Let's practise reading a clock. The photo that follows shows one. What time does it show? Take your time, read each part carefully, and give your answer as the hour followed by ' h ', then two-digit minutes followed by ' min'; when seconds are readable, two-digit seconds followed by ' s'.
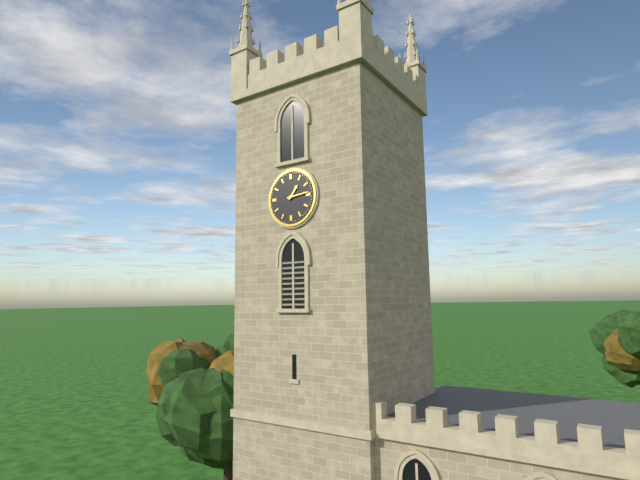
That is 1 h 14 min
